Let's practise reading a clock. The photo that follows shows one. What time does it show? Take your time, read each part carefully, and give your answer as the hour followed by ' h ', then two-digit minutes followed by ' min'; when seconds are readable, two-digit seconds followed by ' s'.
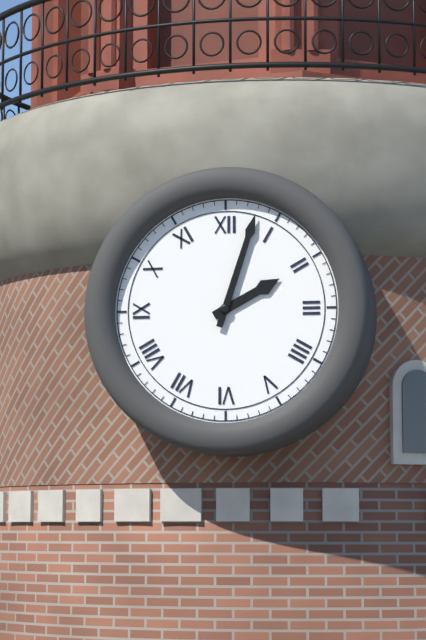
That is 2 h 03 min
